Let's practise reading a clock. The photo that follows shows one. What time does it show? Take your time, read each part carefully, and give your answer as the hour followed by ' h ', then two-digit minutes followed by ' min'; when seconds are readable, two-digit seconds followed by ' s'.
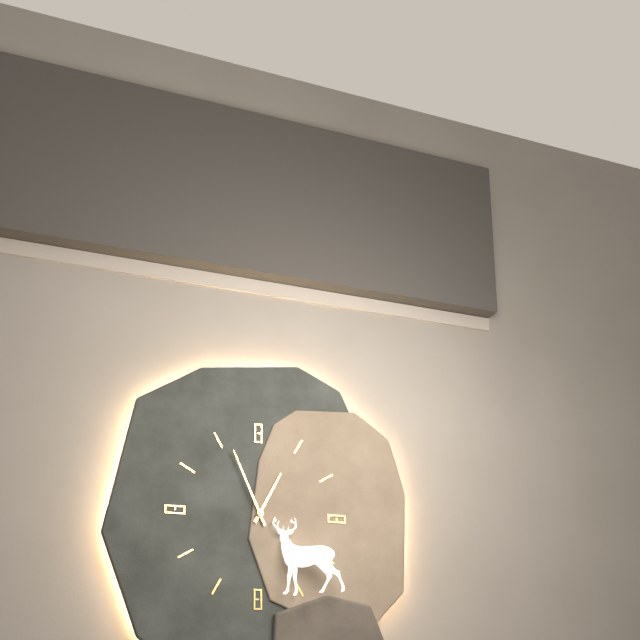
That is 12 h 56 min
